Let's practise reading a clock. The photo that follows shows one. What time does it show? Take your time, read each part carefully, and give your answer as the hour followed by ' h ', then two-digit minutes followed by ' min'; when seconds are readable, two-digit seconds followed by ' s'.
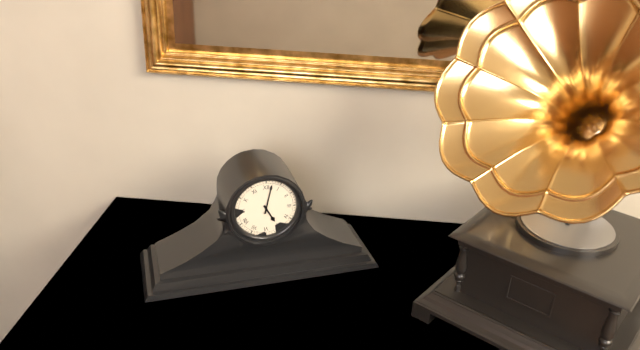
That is 5 h 02 min
